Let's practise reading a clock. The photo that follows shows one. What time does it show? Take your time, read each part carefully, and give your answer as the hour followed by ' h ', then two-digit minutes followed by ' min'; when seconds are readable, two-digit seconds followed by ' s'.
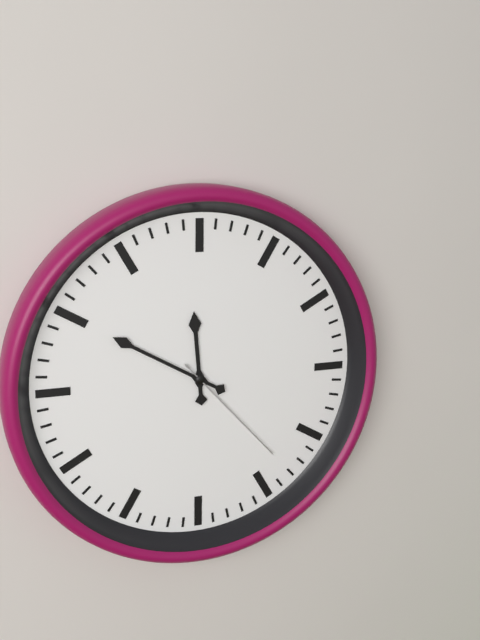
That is 11 h 50 min 23 s
